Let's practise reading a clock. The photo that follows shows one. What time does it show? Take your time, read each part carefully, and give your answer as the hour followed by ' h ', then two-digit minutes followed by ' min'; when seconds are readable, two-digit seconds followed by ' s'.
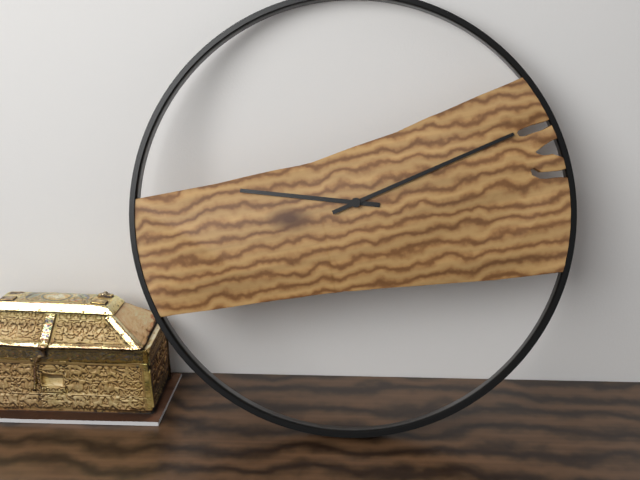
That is 9 h 11 min
